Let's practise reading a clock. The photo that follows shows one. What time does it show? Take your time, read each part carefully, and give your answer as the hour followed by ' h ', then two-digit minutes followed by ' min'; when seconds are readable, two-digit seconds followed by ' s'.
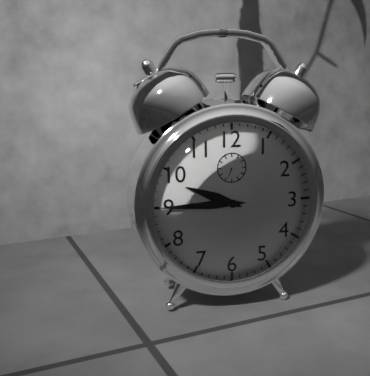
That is 9 h 45 min
